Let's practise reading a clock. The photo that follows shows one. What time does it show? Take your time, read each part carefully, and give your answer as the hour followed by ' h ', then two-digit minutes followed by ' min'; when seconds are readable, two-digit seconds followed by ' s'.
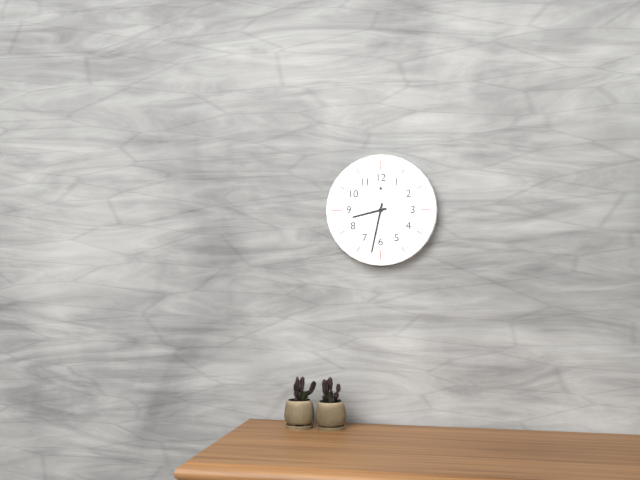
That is 8 h 32 min
